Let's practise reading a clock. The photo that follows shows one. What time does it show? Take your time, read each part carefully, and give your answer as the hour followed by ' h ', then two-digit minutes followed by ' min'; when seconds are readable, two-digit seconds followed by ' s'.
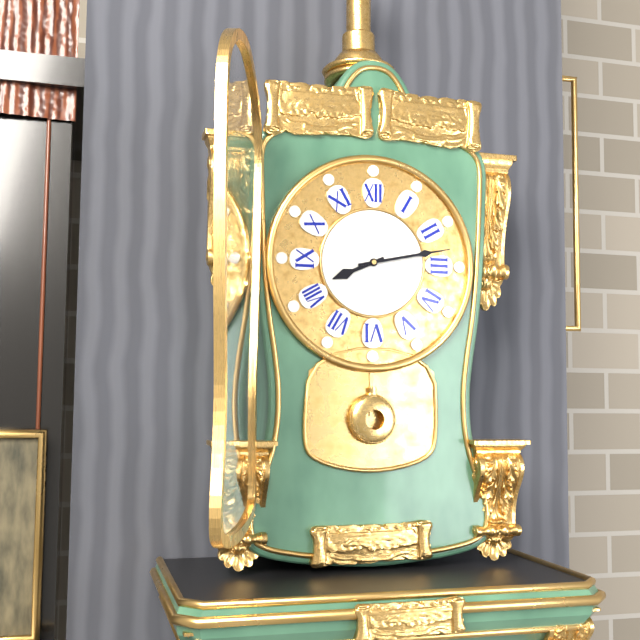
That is 8 h 13 min
